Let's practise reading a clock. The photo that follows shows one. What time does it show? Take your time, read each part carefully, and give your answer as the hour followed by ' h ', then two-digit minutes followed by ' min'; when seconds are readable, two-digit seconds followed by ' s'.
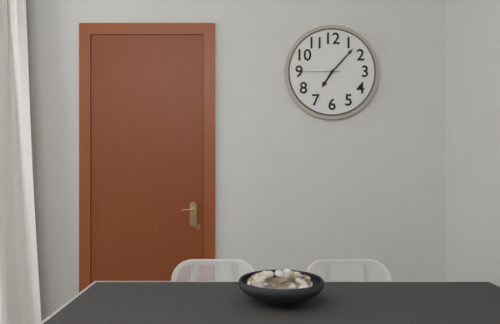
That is 7 h 07 min
